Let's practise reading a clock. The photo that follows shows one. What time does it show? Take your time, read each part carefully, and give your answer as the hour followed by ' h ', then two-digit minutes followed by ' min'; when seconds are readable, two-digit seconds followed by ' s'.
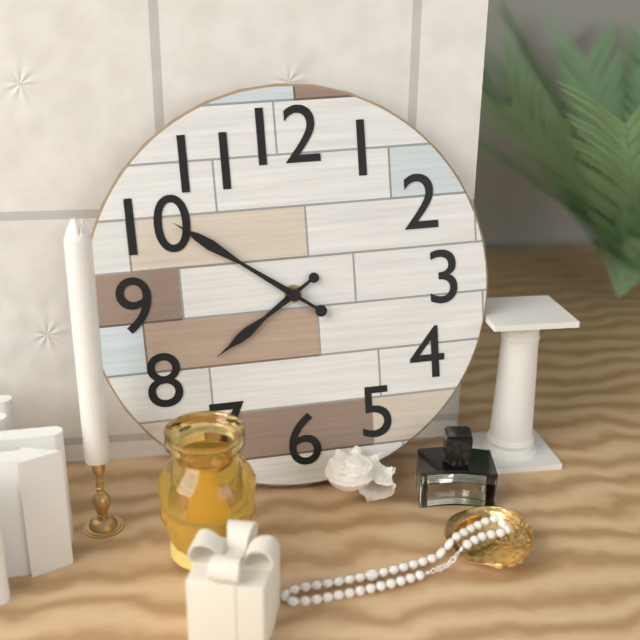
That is 7 h 51 min
